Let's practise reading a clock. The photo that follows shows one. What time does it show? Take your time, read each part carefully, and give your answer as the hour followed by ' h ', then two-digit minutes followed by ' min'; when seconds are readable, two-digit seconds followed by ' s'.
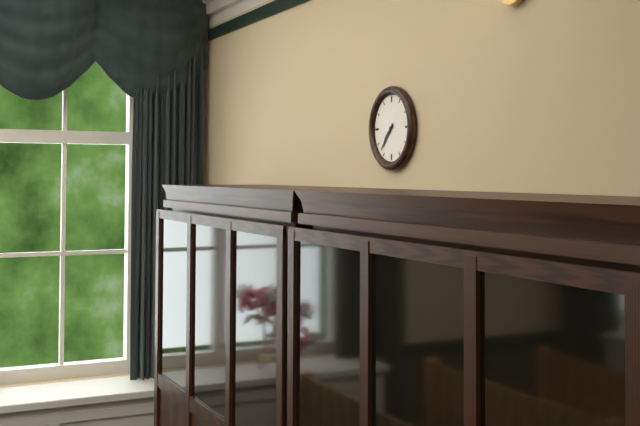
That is 7 h 37 min
